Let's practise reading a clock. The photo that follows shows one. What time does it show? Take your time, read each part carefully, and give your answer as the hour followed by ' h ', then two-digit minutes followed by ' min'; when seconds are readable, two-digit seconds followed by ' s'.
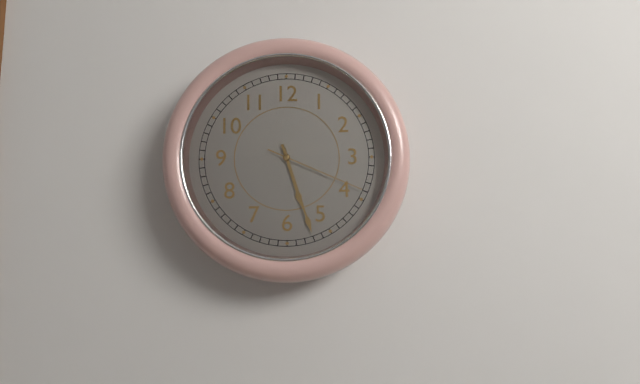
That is 5 h 27 min 19 s
